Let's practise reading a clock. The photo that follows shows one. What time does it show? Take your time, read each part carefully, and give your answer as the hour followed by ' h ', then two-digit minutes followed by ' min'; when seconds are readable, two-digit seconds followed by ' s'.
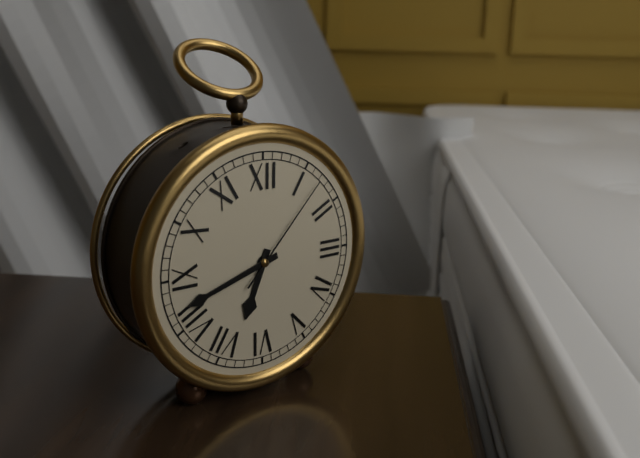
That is 6 h 42 min 07 s
